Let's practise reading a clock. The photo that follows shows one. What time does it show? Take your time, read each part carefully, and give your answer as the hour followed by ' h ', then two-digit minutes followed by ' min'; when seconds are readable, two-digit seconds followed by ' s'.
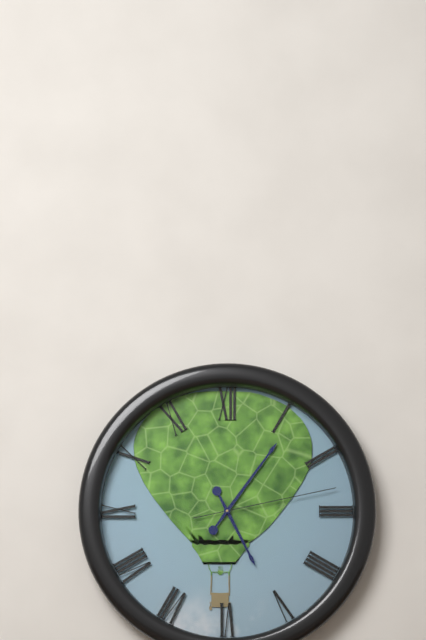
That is 5 h 06 min 13 s
